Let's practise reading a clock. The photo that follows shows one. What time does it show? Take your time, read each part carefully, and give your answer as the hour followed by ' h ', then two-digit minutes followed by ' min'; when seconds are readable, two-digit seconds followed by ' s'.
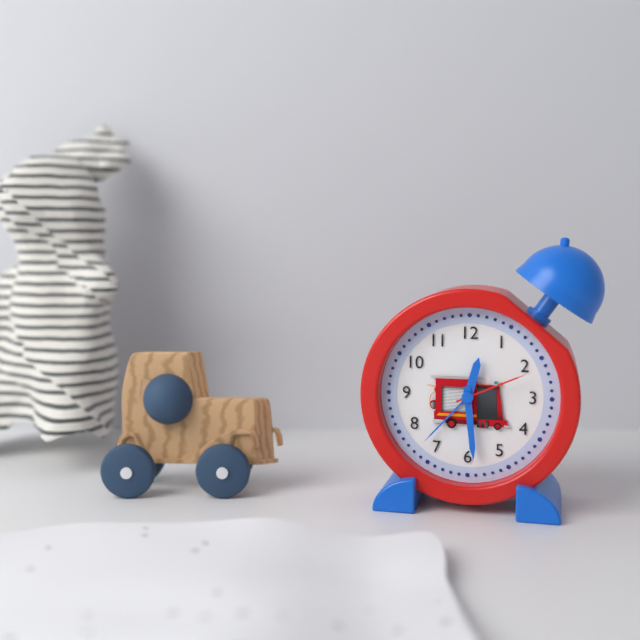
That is 12 h 29 min 11 s
